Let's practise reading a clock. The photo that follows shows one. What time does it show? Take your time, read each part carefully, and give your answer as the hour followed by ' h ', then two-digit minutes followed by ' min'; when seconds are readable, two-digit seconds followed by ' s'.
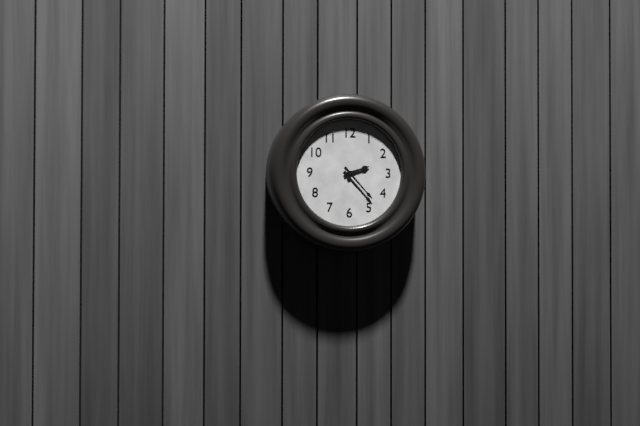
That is 2 h 23 min
